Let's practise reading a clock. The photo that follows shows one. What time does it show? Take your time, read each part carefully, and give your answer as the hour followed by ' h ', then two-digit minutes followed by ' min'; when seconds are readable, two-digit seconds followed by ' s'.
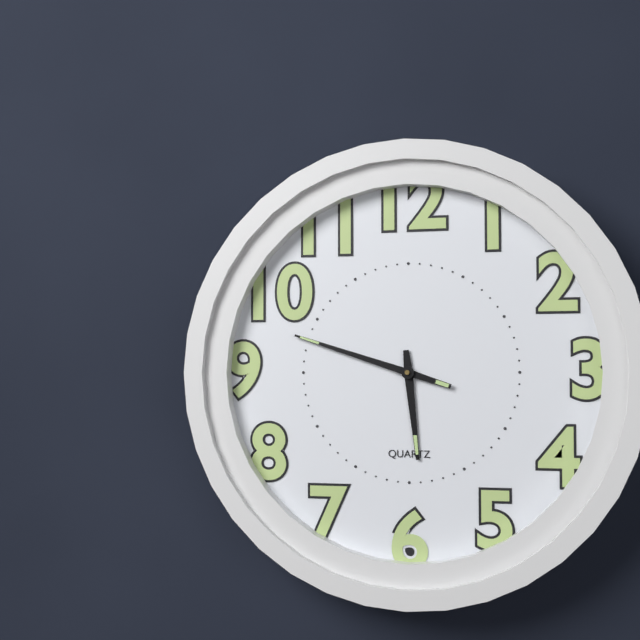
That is 5 h 48 min
